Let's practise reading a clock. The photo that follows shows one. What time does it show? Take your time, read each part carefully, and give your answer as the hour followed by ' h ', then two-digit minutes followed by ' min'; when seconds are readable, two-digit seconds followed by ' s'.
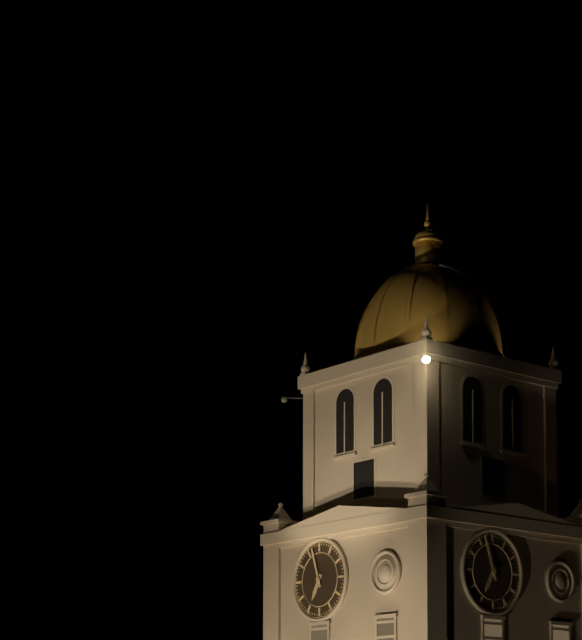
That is 6 h 57 min
